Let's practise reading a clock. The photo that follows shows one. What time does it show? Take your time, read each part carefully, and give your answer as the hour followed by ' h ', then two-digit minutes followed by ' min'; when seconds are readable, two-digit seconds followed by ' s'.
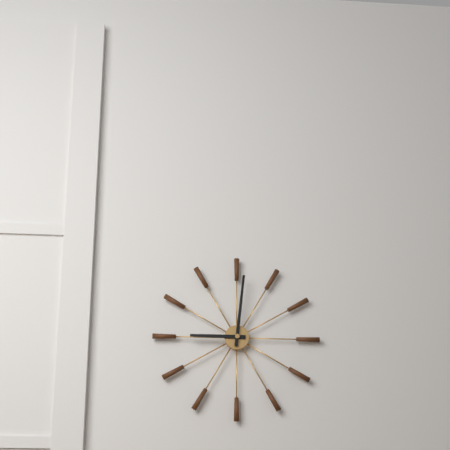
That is 9 h 01 min
